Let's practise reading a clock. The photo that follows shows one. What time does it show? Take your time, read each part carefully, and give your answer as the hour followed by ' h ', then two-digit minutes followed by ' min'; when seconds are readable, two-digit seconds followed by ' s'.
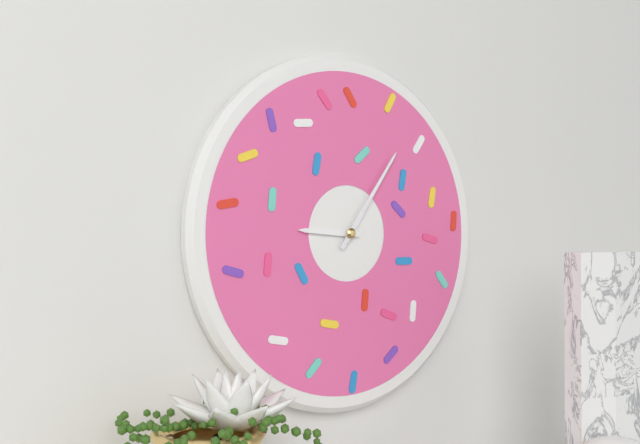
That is 9 h 06 min
